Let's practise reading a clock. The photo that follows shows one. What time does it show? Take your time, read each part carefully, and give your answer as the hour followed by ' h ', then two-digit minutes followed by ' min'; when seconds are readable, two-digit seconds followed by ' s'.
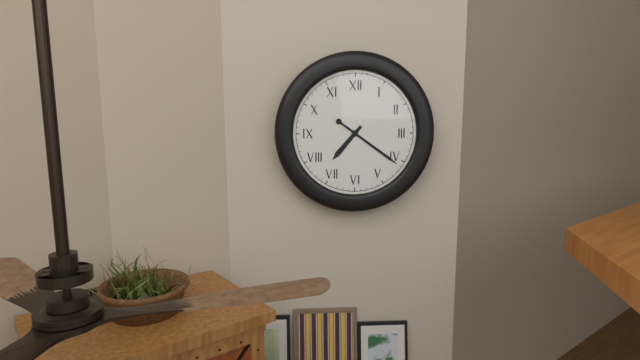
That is 7 h 21 min
